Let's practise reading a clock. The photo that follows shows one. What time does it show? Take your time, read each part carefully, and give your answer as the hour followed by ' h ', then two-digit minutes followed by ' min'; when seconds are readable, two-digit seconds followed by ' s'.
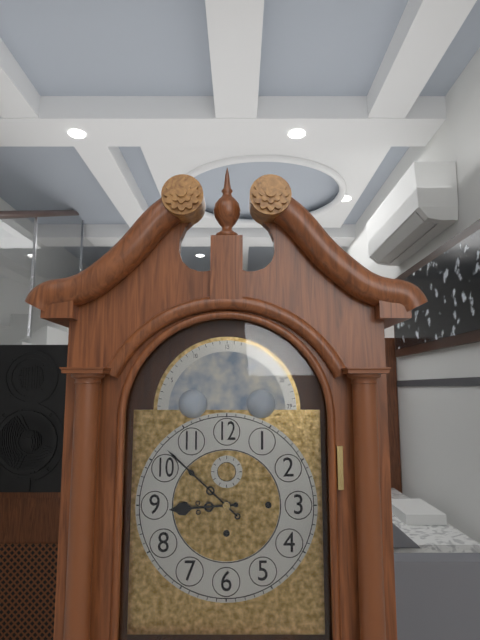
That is 8 h 52 min
